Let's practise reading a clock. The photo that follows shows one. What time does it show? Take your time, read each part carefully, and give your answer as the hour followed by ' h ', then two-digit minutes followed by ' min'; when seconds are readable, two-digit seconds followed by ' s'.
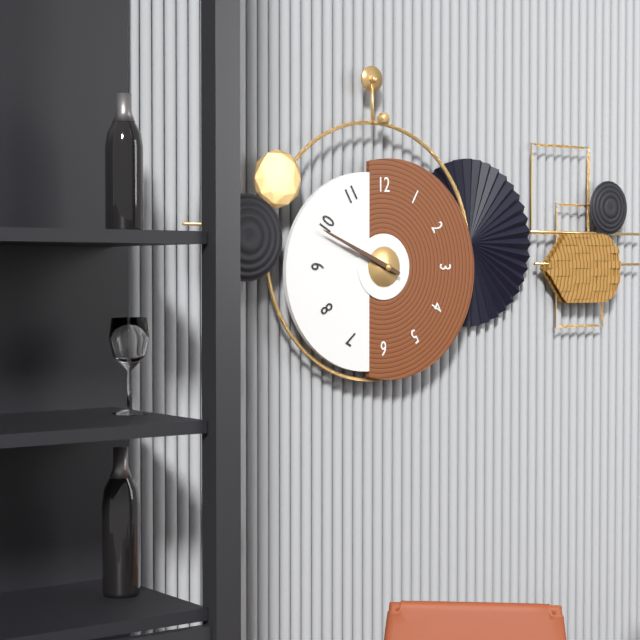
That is 9 h 49 min
